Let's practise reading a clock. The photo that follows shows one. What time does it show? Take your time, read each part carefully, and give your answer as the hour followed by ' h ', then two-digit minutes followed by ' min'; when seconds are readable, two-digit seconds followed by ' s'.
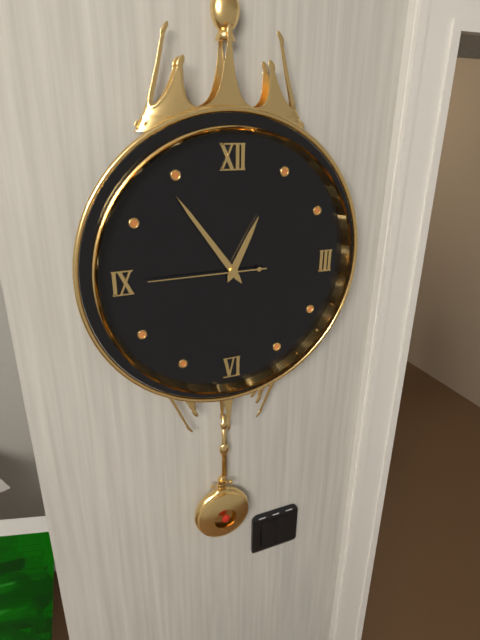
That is 12 h 54 min 45 s
